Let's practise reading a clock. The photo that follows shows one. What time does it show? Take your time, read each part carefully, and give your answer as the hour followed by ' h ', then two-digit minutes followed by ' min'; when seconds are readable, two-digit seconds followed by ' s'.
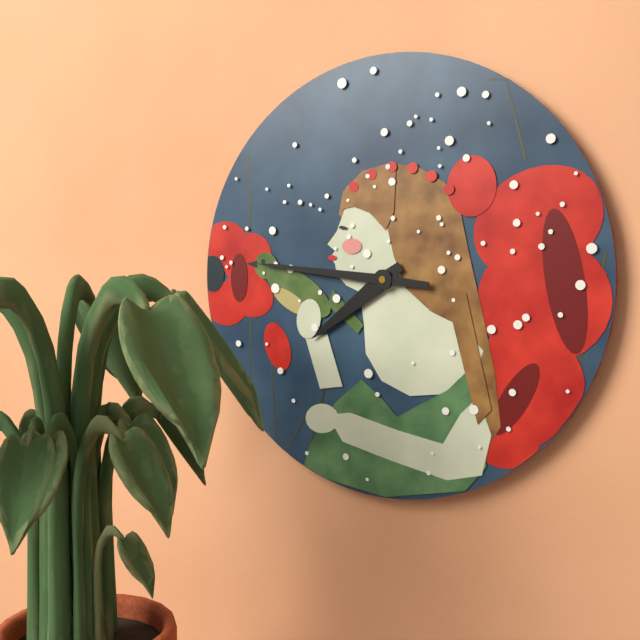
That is 7 h 46 min
